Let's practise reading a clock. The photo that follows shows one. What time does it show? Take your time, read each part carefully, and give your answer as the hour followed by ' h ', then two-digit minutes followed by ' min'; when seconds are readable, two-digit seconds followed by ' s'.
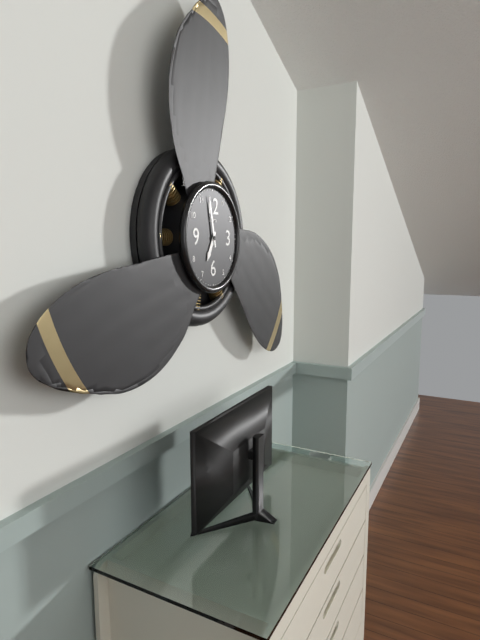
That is 6 h 58 min
